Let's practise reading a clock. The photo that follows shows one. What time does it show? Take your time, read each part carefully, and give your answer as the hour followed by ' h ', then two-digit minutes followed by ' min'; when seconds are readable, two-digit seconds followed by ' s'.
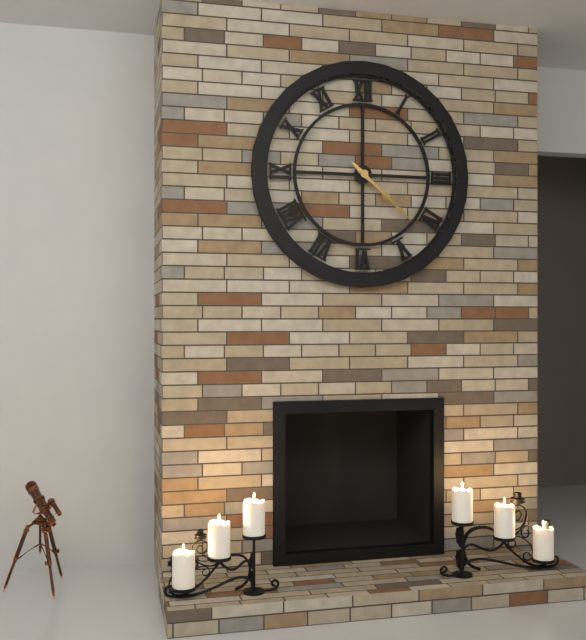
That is 4 h 22 min
